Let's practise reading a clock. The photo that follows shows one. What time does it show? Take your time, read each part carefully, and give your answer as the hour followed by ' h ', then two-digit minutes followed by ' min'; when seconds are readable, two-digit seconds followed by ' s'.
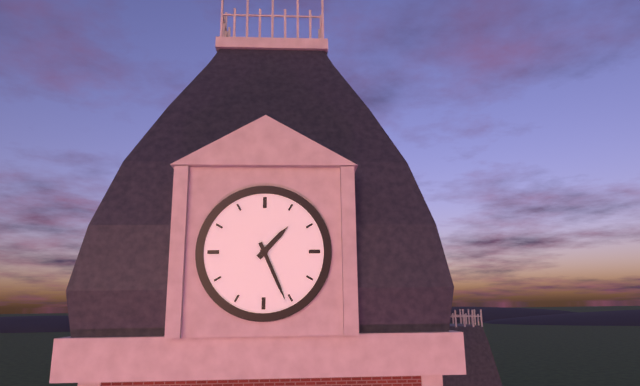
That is 1 h 26 min
